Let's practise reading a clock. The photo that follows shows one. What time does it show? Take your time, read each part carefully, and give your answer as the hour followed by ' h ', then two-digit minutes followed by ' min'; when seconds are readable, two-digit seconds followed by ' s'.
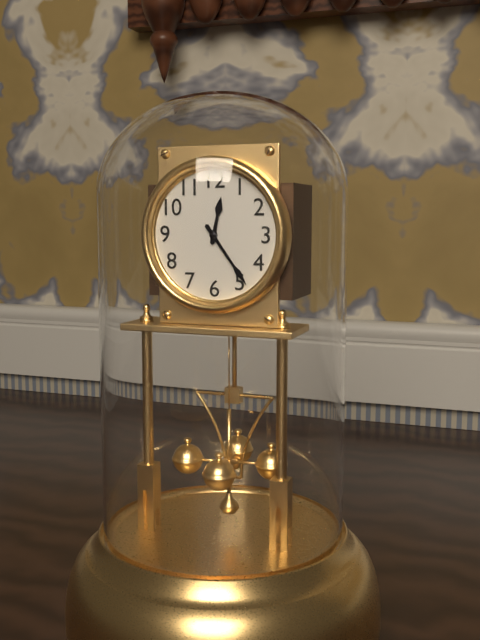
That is 12 h 24 min
